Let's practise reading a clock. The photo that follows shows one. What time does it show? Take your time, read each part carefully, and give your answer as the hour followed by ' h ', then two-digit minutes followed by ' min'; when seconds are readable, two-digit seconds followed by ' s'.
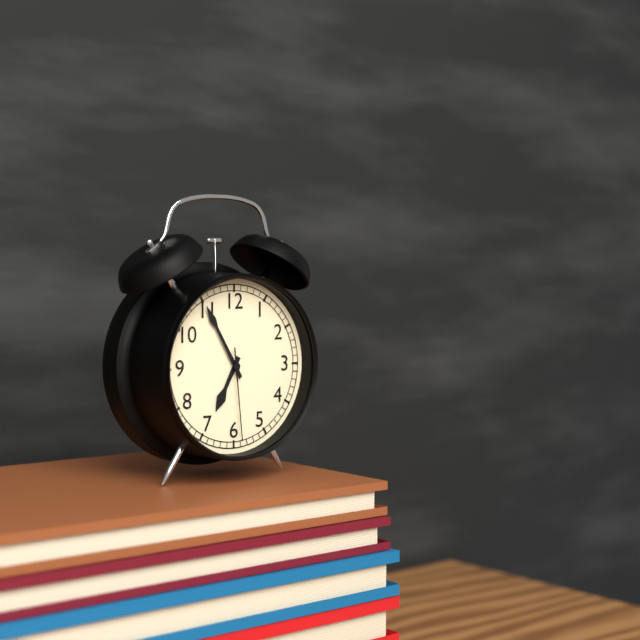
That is 6 h 55 min 29 s
